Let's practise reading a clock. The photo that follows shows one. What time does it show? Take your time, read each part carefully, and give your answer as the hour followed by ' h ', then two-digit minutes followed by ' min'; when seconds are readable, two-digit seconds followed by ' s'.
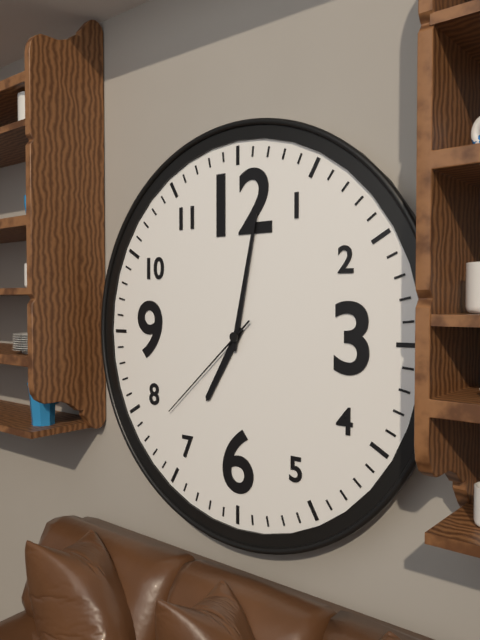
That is 7 h 02 min 38 s
